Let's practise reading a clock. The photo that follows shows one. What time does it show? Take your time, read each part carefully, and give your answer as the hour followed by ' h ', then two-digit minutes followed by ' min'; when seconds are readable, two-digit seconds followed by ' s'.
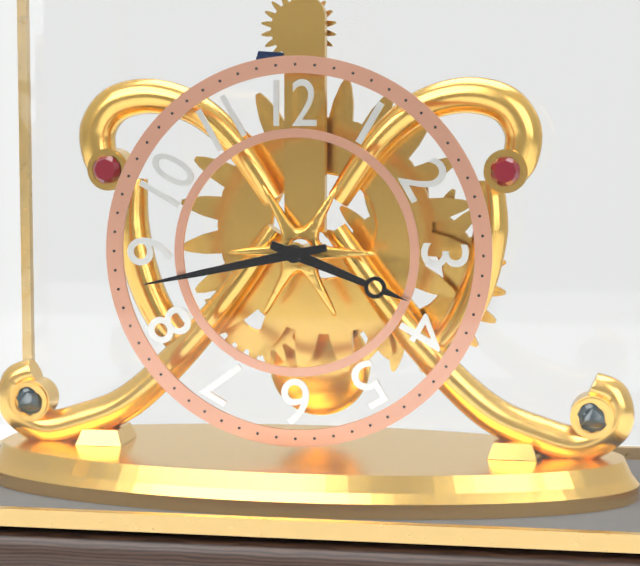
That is 3 h 43 min
